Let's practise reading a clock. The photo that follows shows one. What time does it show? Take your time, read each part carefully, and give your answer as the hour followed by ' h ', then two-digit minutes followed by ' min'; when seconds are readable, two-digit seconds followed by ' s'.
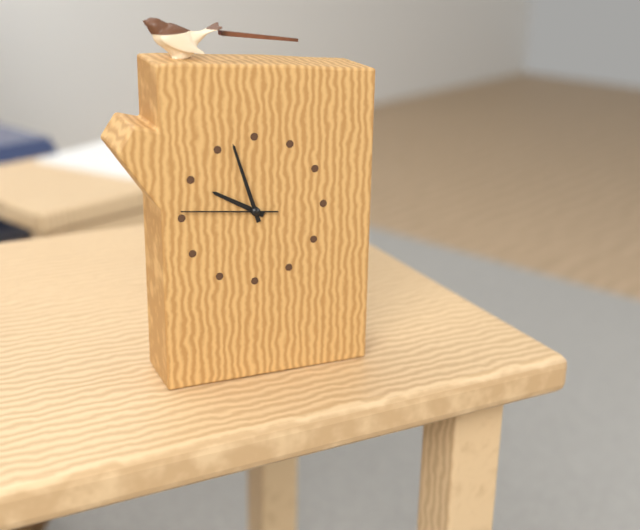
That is 9 h 57 min 46 s
